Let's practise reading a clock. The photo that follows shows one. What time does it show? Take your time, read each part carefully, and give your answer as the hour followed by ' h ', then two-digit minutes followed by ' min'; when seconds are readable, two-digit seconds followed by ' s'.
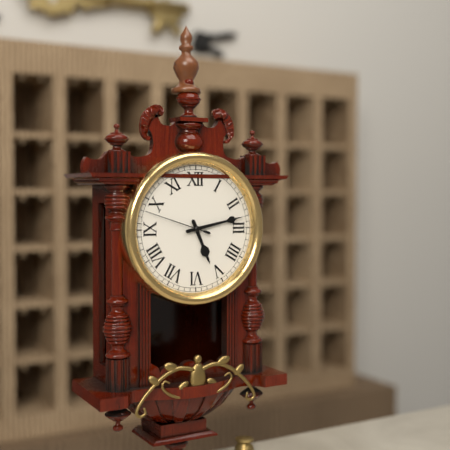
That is 5 h 13 min 48 s
